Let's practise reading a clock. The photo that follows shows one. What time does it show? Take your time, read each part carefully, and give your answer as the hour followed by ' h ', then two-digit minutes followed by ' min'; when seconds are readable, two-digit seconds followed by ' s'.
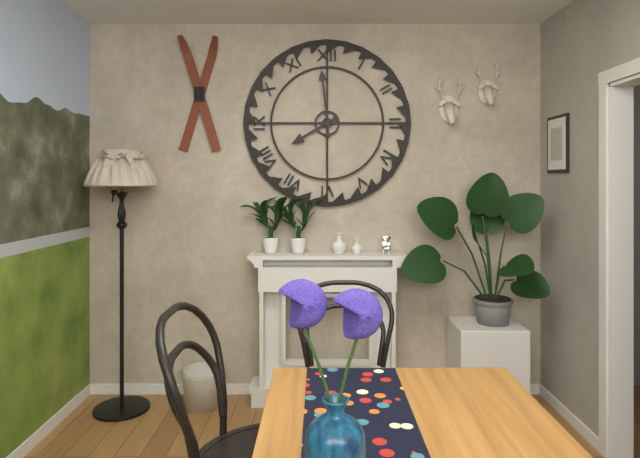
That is 7 h 59 min
